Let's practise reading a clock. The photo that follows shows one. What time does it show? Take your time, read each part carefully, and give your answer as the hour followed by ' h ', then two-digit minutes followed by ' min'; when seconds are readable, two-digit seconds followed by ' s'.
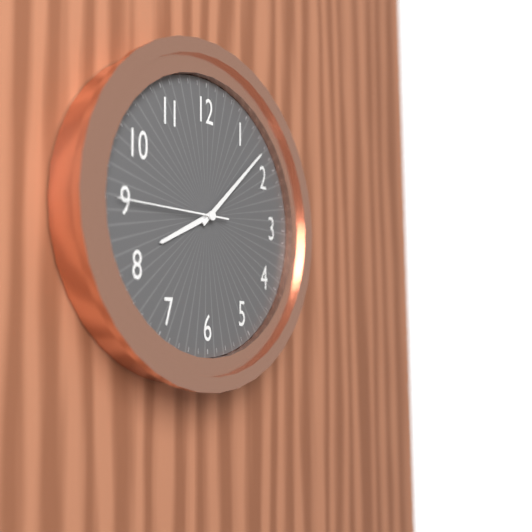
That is 8 h 08 min 45 s
